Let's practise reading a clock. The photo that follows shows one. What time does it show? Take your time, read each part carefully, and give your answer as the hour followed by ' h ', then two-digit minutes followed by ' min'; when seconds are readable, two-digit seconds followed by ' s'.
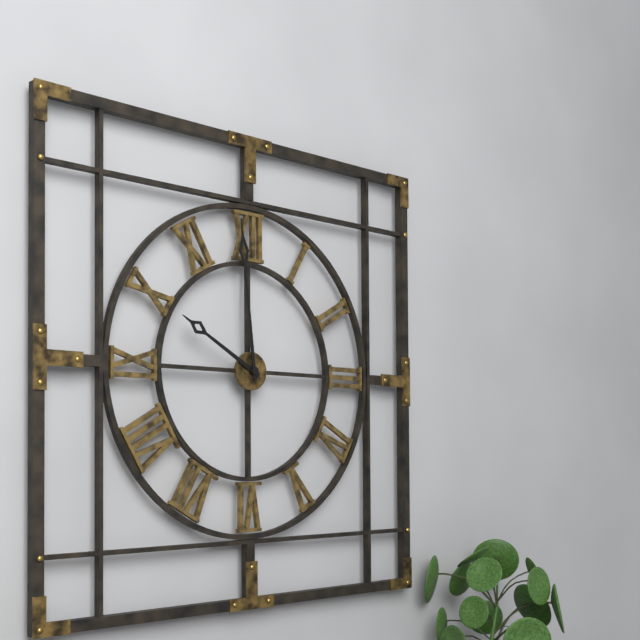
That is 9 h 59 min
